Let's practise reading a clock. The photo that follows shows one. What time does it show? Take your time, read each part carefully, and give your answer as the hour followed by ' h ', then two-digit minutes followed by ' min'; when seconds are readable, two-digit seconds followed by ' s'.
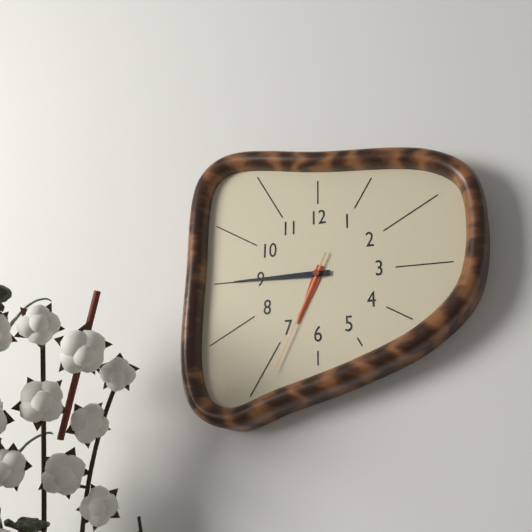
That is 6 h 45 min 34 s
